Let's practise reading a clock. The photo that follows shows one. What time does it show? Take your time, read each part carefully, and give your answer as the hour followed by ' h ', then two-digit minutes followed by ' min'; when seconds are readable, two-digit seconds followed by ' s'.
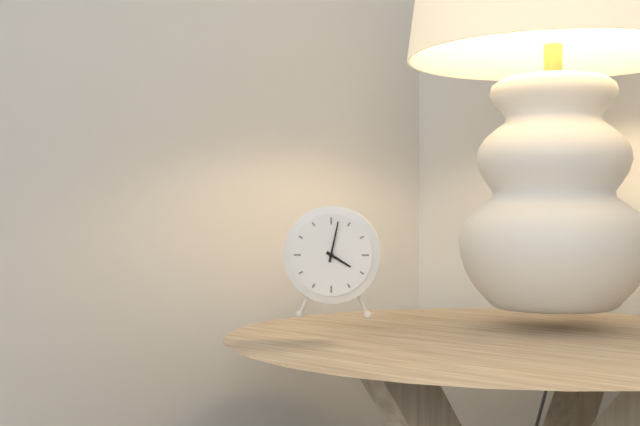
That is 4 h 02 min
